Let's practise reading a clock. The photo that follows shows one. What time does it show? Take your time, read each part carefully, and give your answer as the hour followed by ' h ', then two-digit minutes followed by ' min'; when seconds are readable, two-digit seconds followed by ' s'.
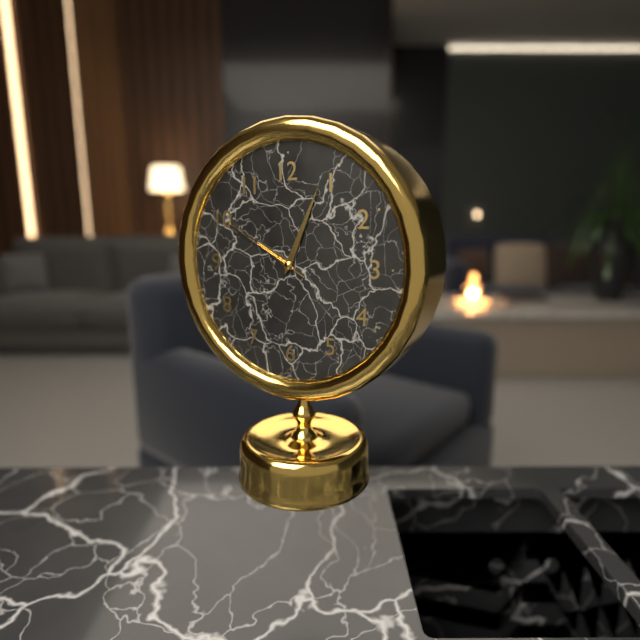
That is 10 h 04 min 50 s
